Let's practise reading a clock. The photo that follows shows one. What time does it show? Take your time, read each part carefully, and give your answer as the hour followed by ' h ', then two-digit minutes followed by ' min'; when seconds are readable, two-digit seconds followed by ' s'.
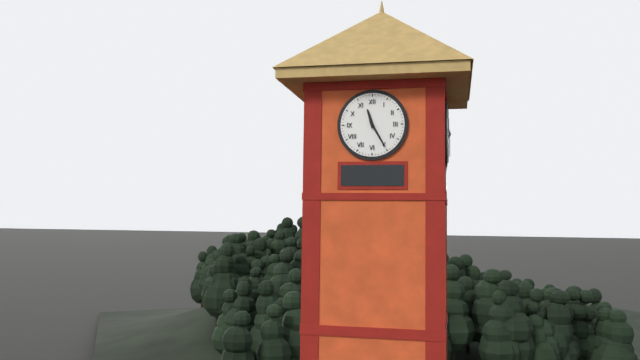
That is 11 h 25 min
